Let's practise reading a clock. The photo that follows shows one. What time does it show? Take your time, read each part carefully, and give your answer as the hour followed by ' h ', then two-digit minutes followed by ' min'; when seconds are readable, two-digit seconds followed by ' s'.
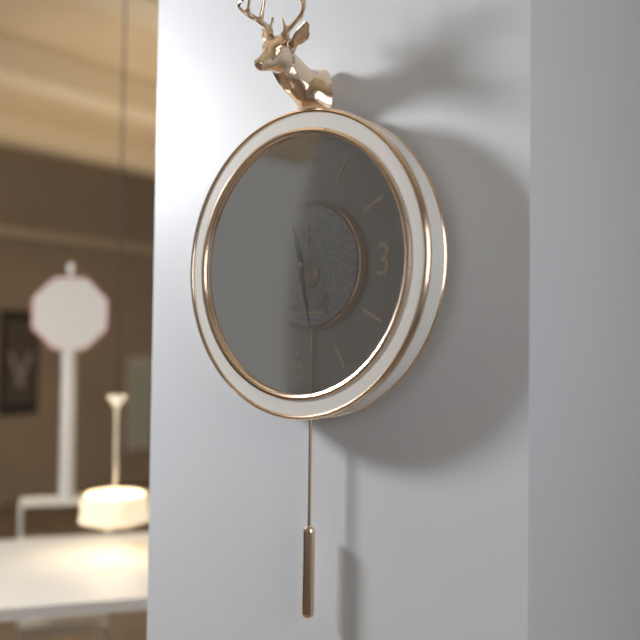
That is 11 h 28 min
